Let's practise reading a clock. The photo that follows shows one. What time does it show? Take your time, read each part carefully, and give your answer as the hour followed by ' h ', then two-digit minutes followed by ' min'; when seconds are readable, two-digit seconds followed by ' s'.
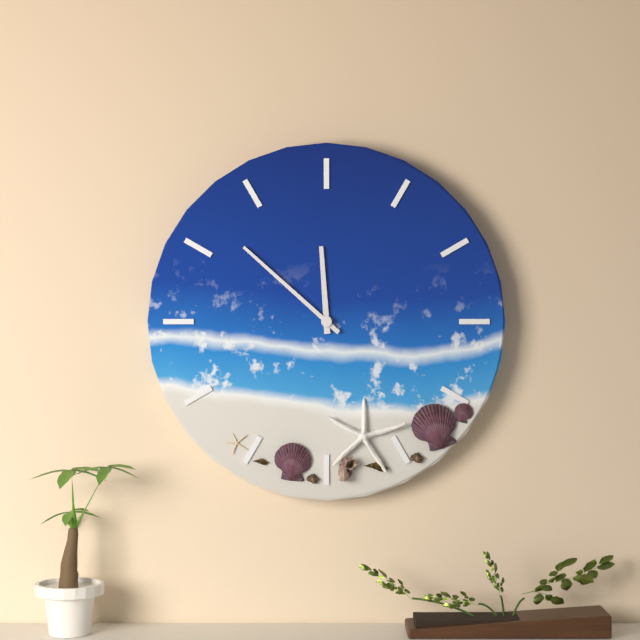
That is 11 h 52 min
